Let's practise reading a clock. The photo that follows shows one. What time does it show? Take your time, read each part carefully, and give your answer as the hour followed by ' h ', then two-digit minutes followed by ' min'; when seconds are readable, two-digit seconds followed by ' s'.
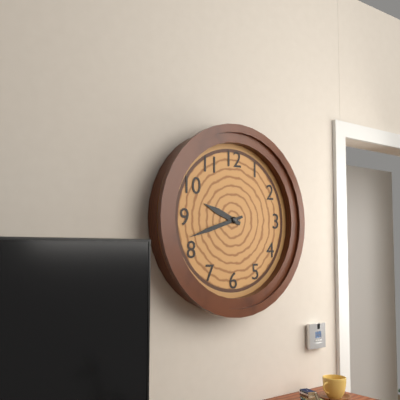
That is 9 h 42 min
